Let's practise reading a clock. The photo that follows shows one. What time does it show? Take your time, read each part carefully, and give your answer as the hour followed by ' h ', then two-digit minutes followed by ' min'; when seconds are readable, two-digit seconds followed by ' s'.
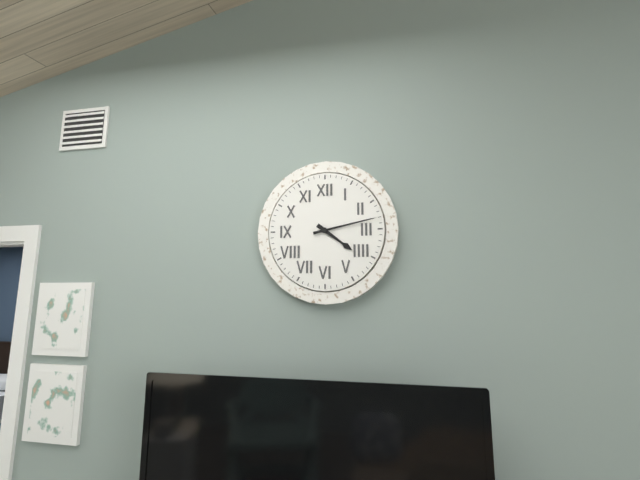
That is 4 h 13 min
